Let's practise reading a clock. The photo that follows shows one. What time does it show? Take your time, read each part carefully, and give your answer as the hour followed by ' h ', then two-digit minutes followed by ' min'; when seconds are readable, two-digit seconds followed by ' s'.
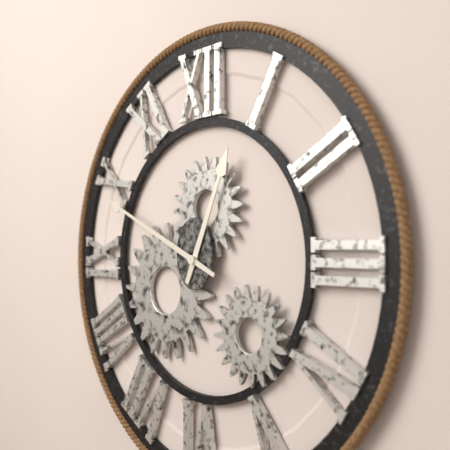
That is 12 h 49 min
